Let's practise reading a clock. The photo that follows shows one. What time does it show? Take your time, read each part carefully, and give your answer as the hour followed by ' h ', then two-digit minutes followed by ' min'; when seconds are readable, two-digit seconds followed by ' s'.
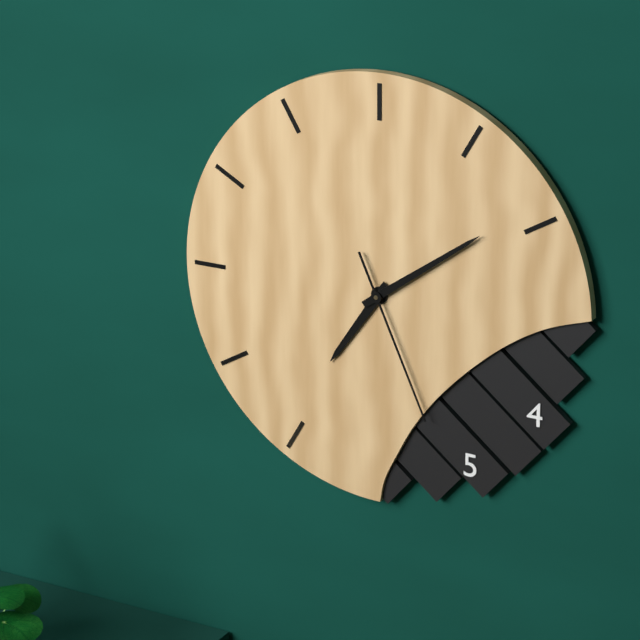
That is 7 h 09 min 26 s
